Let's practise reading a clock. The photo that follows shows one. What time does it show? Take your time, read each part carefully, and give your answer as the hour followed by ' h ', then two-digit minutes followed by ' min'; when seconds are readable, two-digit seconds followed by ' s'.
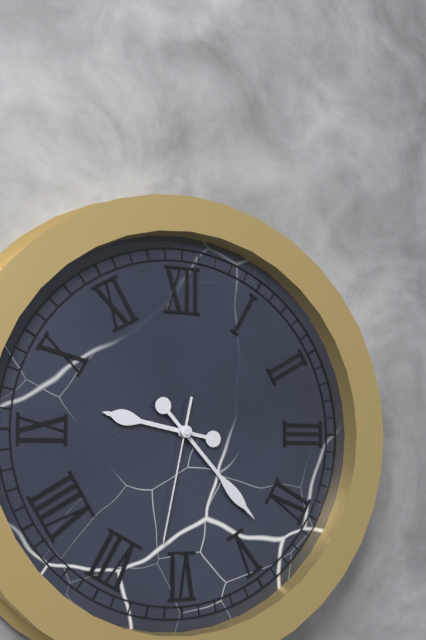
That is 9 h 23 min 32 s
